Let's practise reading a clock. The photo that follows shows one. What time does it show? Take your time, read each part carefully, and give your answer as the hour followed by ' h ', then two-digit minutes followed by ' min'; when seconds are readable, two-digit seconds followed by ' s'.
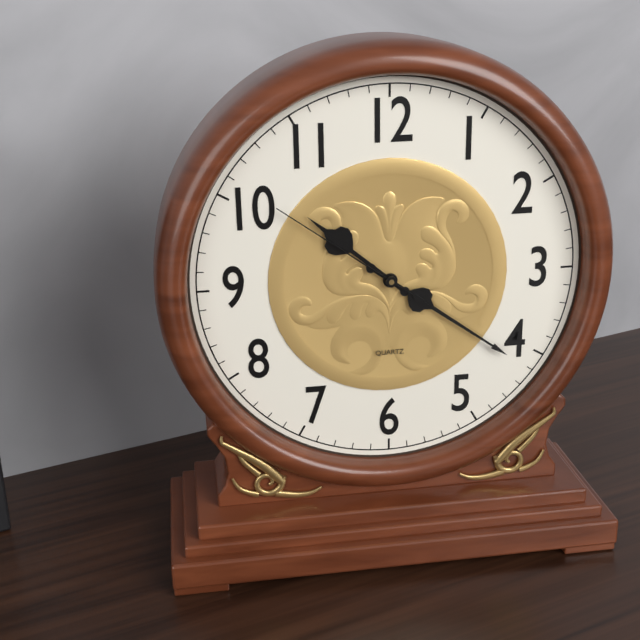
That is 10 h 21 min 51 s
